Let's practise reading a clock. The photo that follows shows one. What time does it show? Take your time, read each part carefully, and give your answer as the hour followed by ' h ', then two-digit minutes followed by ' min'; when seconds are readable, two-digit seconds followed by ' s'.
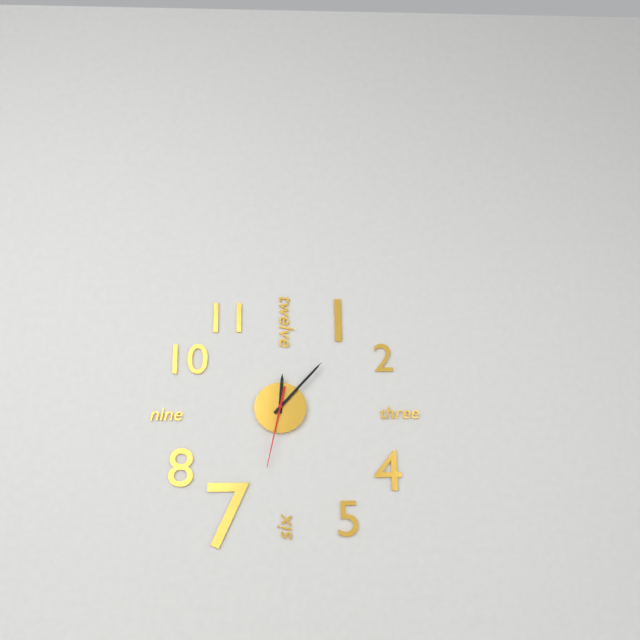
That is 12 h 07 min 32 s
